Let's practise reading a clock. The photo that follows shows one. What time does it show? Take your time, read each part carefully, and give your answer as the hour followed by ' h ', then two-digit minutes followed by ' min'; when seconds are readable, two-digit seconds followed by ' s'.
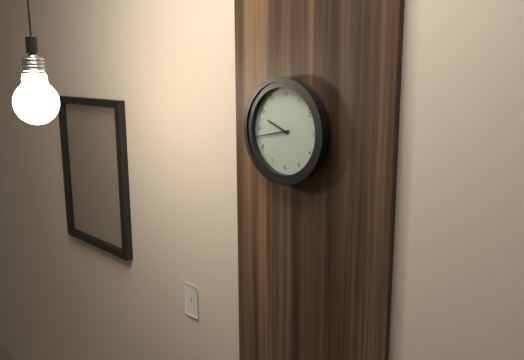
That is 9 h 43 min
